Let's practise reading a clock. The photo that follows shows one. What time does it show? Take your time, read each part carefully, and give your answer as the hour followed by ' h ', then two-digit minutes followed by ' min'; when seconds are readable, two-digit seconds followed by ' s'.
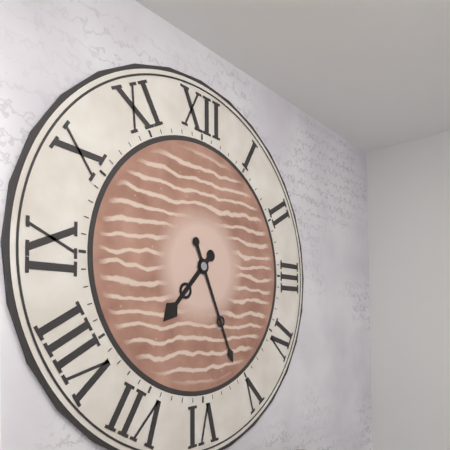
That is 7 h 26 min
